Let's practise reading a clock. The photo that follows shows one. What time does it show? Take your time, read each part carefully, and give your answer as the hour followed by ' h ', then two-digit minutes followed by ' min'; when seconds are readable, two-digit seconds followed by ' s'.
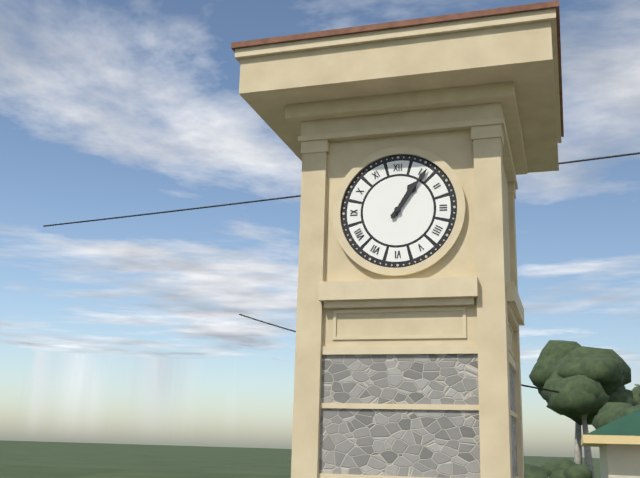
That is 1 h 06 min
